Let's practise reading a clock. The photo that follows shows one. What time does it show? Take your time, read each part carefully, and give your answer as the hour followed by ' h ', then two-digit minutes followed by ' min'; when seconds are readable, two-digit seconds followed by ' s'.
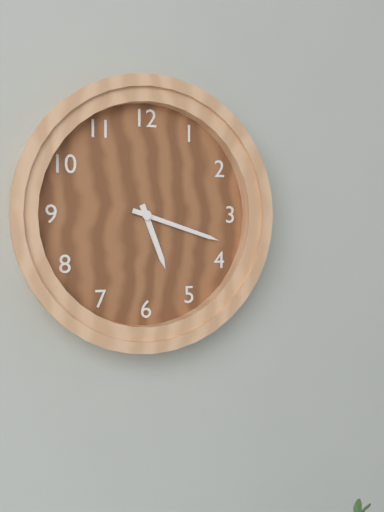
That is 5 h 18 min
